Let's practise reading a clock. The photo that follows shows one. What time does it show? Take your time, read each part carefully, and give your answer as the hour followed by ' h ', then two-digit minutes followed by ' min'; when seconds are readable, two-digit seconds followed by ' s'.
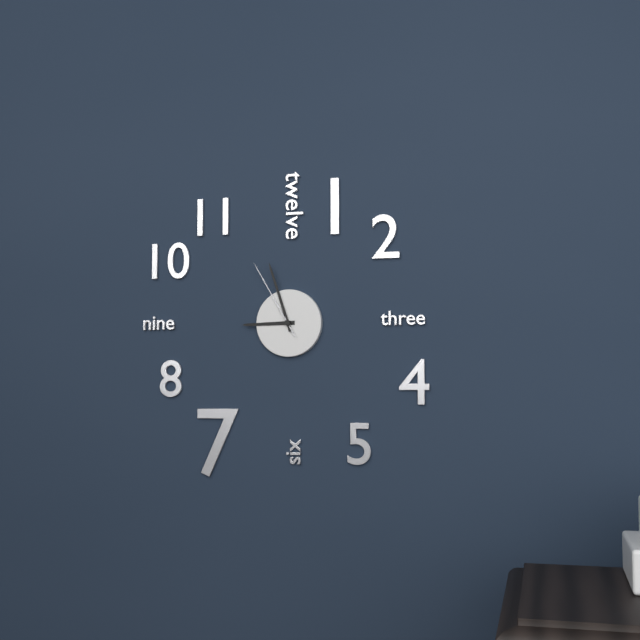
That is 8 h 57 min 55 s
